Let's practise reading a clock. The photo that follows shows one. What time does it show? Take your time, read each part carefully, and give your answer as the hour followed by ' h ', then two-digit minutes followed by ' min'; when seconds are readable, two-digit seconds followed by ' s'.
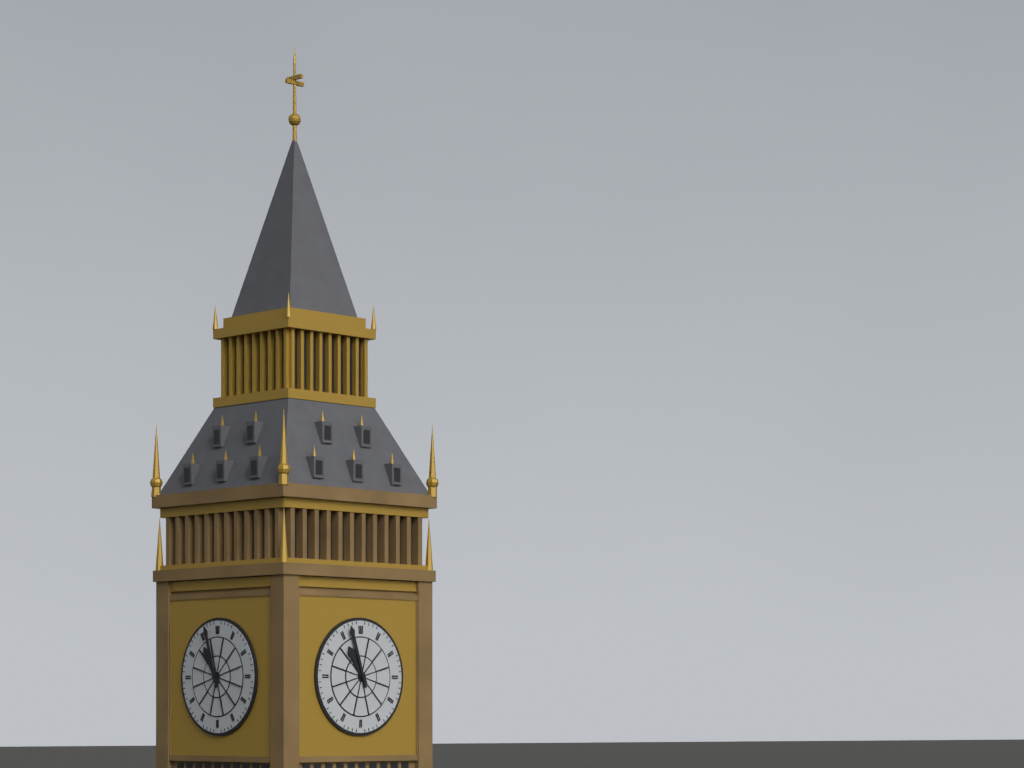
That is 10 h 57 min
